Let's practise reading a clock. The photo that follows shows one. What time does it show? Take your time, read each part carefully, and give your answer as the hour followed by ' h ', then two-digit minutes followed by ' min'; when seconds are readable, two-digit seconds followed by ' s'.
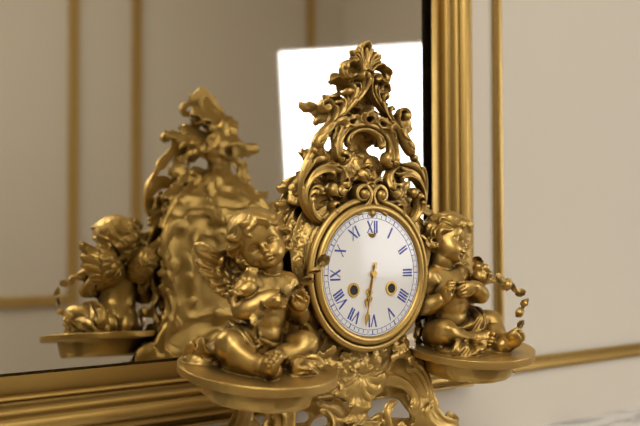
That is 6 h 32 min
